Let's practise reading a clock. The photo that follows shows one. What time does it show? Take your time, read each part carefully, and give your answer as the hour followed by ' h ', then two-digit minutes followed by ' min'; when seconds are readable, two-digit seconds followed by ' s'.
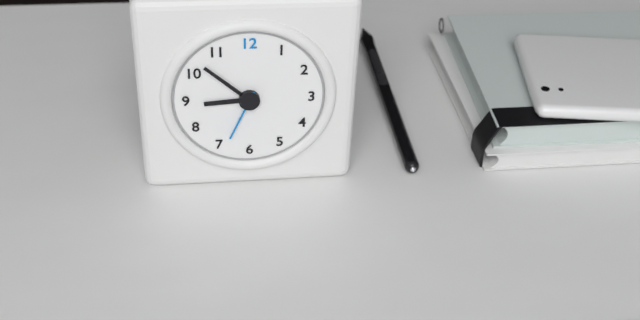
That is 8 h 52 min 34 s
